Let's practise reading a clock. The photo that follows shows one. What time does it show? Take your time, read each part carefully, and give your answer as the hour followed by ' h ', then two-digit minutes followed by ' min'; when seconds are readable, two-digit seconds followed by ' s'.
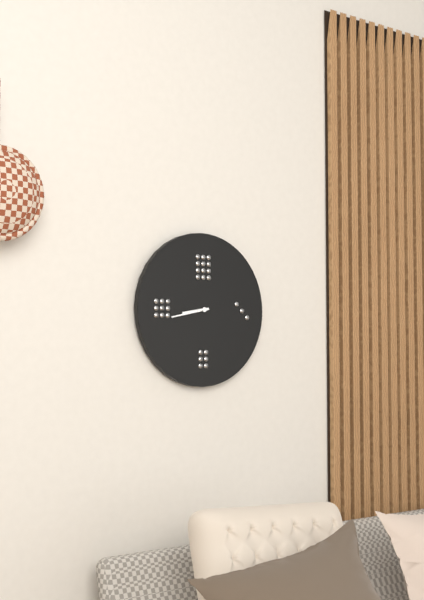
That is 8 h 43 min
